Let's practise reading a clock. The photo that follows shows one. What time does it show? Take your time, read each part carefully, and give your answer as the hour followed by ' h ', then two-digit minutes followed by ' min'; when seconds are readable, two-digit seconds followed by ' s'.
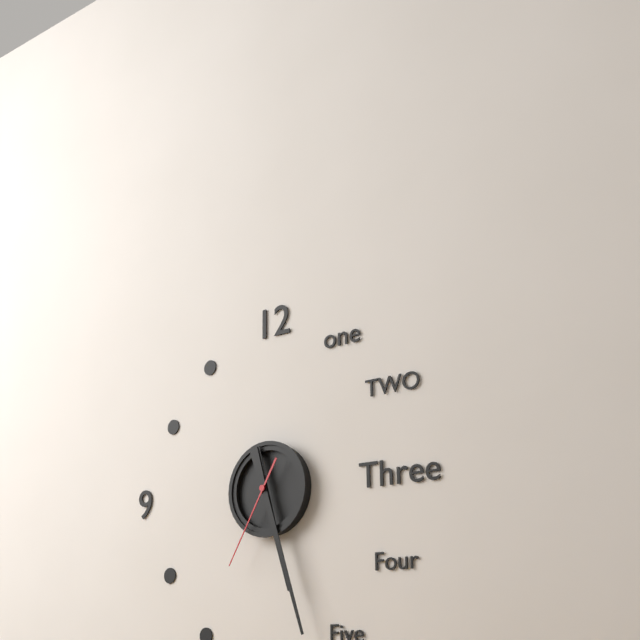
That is 5 h 27 min 35 s
